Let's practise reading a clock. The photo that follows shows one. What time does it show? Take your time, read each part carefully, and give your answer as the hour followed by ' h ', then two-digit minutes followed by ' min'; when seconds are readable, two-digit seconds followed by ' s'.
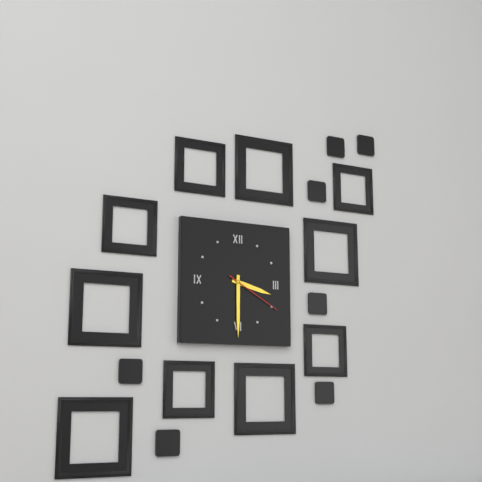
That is 3 h 30 min 20 s
